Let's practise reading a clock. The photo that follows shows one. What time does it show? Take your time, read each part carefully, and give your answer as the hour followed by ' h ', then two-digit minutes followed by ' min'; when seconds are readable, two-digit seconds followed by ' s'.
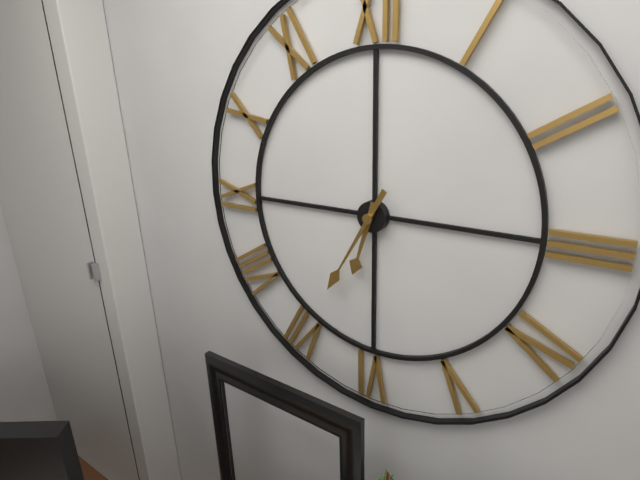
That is 6 h 35 min
